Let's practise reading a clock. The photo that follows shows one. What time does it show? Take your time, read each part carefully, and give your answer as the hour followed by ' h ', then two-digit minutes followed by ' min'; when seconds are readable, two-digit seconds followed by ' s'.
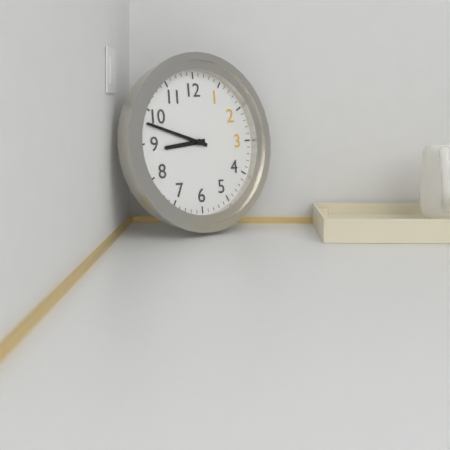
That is 8 h 48 min
